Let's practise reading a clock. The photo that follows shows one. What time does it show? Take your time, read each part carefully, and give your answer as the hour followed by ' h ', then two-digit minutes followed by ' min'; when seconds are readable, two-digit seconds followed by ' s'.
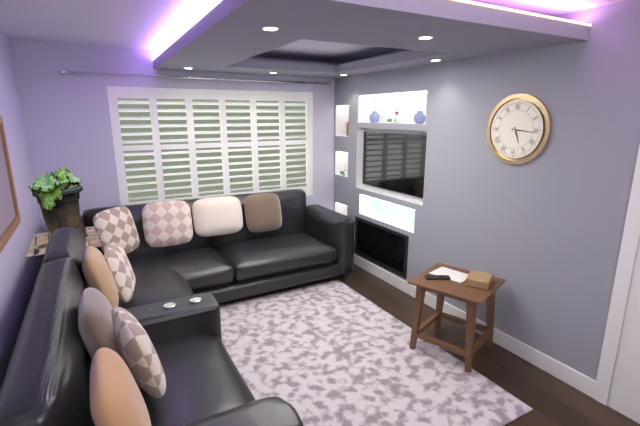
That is 5 h 16 min
